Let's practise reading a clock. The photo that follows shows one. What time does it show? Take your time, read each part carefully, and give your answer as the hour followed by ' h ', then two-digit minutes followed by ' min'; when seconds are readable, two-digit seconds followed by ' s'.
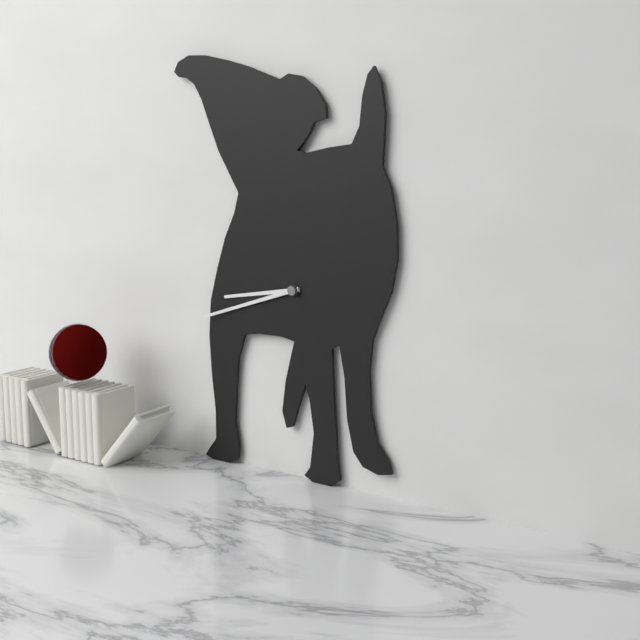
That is 8 h 42 min
